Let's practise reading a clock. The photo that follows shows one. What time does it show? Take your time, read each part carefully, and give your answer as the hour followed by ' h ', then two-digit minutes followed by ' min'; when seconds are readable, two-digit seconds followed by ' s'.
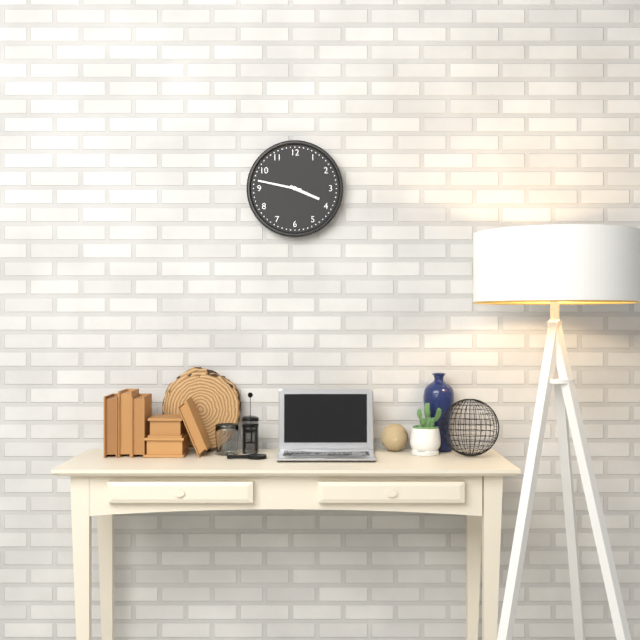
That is 3 h 47 min
